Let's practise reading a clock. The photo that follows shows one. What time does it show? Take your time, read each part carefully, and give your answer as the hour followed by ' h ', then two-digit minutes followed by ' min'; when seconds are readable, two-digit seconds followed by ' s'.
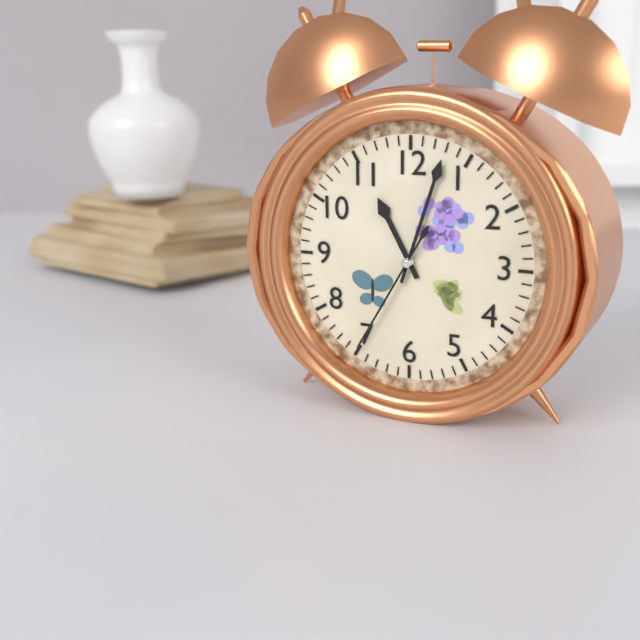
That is 11 h 03 min 35 s
